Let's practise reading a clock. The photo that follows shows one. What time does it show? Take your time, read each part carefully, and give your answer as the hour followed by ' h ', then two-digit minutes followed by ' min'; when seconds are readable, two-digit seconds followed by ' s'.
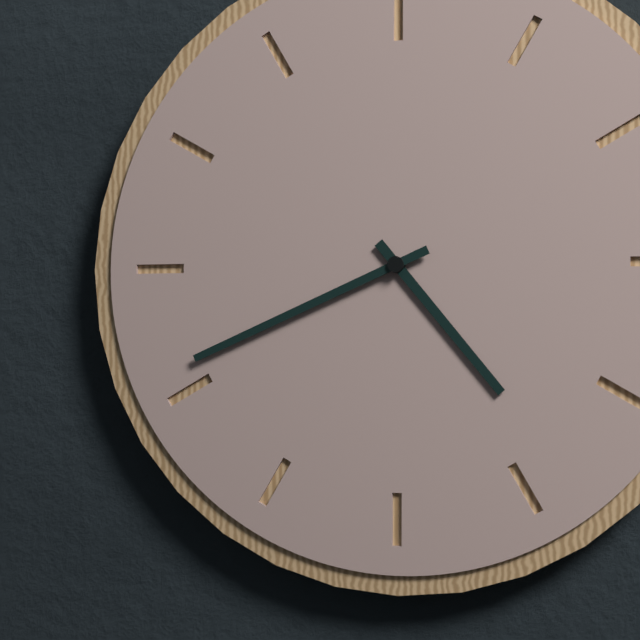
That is 4 h 41 min
